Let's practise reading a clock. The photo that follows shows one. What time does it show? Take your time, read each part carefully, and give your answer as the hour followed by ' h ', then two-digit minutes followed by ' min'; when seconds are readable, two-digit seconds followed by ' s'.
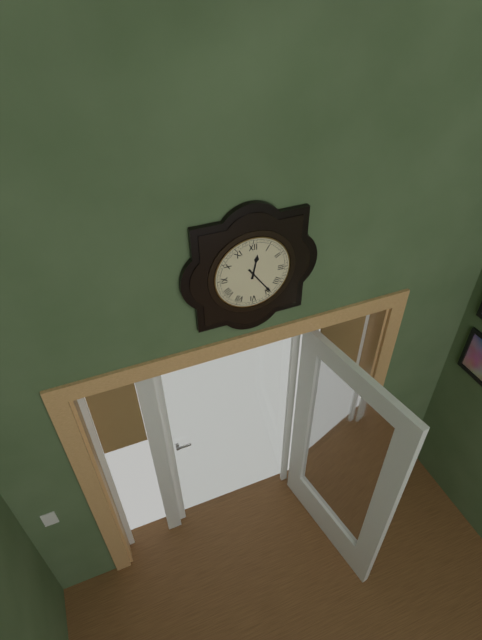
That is 12 h 24 min
